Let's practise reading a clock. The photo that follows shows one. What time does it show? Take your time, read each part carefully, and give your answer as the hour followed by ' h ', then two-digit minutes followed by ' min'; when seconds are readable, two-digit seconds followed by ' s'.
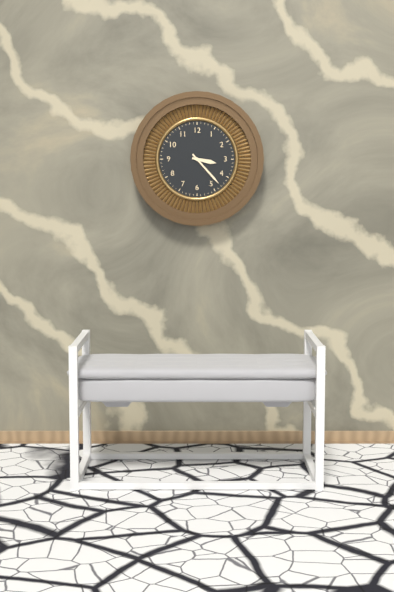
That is 3 h 23 min
